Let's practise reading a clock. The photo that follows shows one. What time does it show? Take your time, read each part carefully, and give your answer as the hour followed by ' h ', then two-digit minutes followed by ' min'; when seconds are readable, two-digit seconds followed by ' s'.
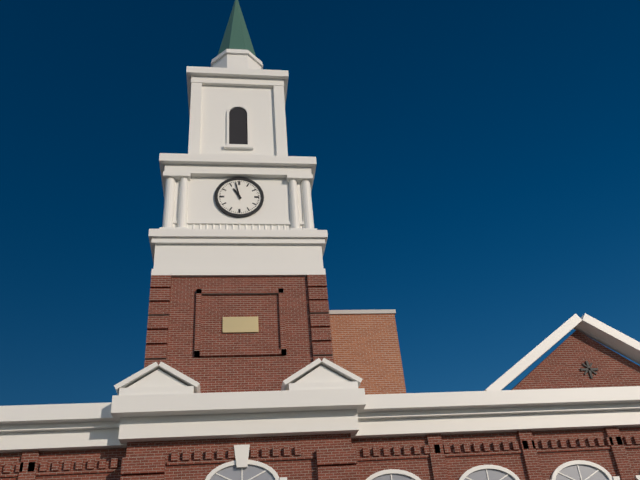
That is 10 h 58 min
